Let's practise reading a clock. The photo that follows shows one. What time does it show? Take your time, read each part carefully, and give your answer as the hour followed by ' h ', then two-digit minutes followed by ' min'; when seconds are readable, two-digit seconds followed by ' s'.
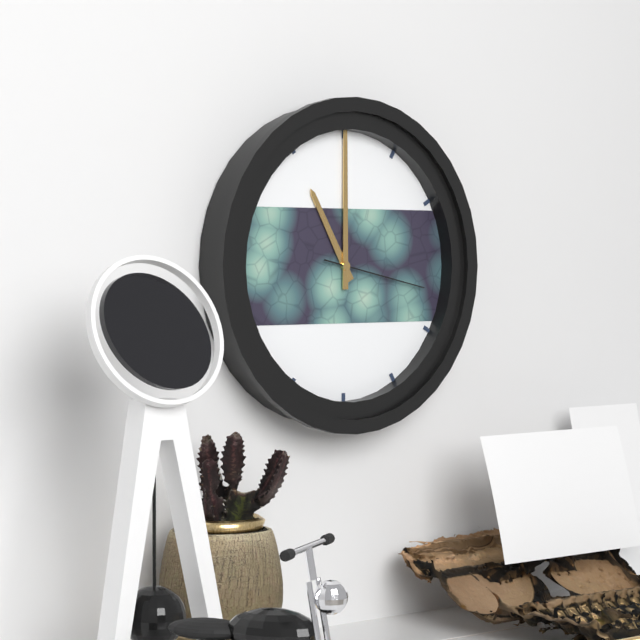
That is 11 h 00 min 17 s
